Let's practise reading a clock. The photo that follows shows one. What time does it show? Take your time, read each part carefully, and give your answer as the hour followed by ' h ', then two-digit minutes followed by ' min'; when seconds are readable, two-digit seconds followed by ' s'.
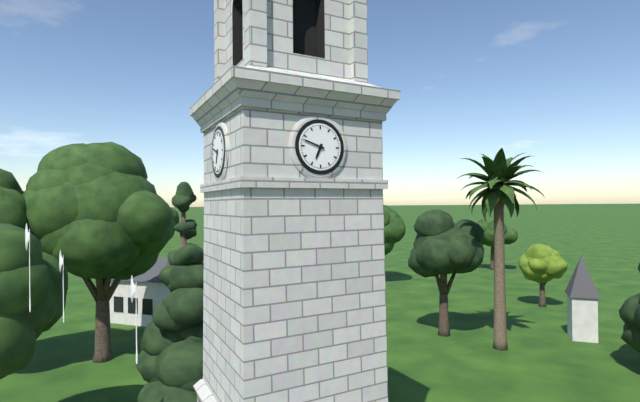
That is 6 h 48 min
